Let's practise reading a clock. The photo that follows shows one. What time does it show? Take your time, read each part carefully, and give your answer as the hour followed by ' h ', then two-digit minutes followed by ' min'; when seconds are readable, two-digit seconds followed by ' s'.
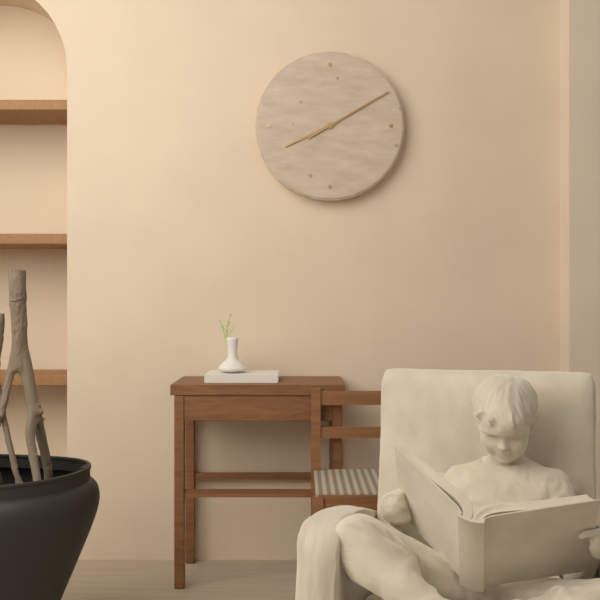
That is 8 h 10 min
